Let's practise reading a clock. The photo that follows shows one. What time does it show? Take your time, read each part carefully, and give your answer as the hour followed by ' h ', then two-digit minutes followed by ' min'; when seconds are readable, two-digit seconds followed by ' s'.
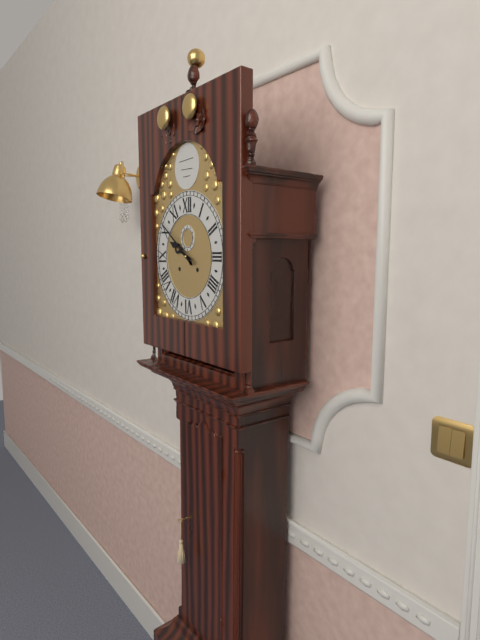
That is 9 h 51 min
